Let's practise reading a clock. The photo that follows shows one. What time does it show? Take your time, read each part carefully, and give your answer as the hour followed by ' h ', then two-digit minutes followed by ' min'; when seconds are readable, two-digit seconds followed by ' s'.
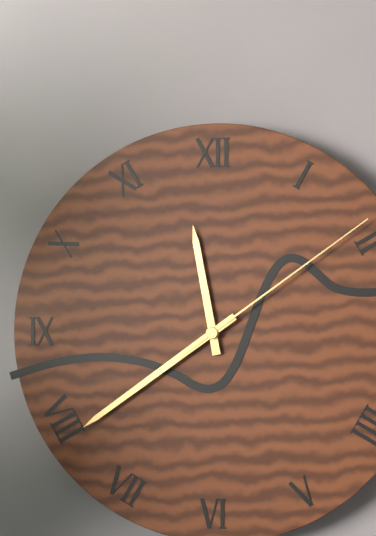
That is 11 h 39 min 09 s
